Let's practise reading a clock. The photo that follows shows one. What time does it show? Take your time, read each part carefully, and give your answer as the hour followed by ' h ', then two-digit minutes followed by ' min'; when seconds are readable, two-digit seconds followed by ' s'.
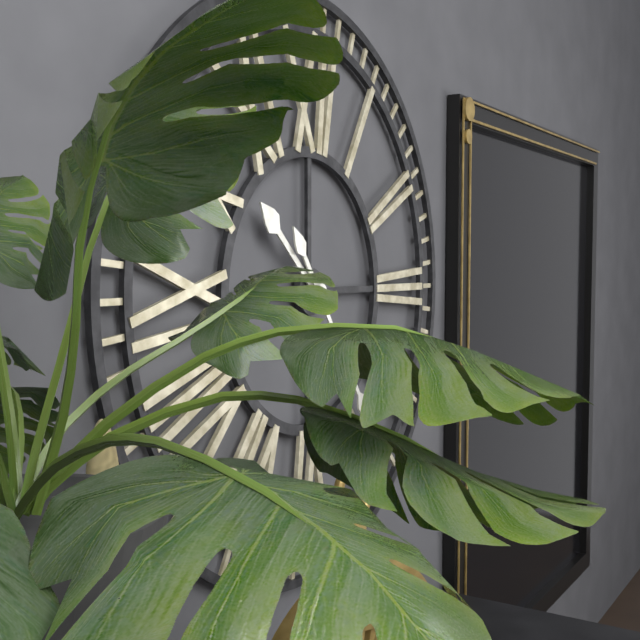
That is 10 h 24 min
